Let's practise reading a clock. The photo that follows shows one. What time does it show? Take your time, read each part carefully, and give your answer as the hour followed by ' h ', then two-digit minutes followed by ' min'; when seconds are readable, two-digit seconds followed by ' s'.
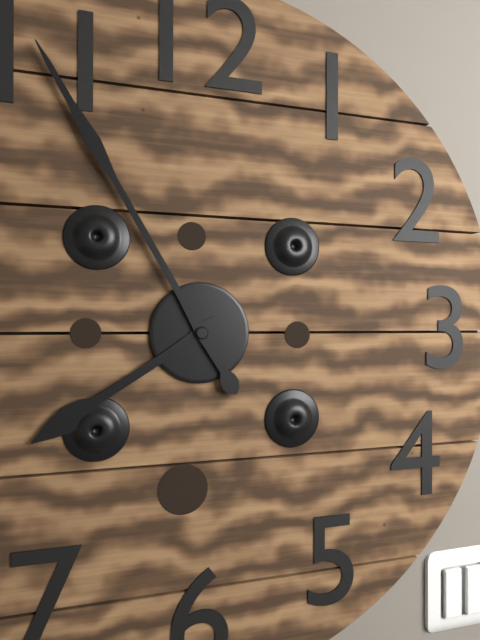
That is 7 h 55 min
